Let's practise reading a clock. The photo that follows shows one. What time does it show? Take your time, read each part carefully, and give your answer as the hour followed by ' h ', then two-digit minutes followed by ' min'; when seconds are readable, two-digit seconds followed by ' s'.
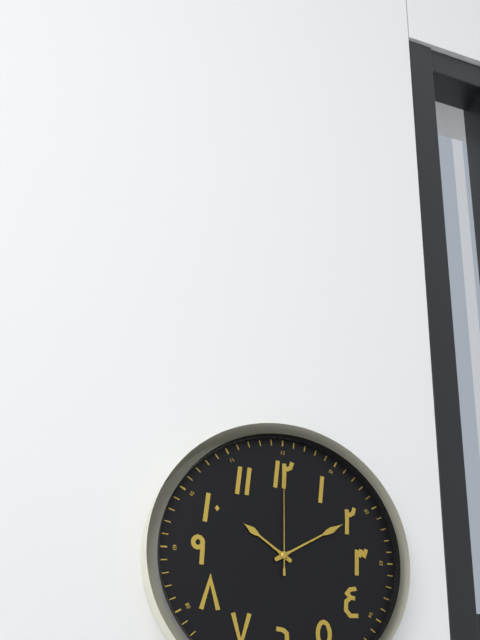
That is 10 h 10 min 00 s
